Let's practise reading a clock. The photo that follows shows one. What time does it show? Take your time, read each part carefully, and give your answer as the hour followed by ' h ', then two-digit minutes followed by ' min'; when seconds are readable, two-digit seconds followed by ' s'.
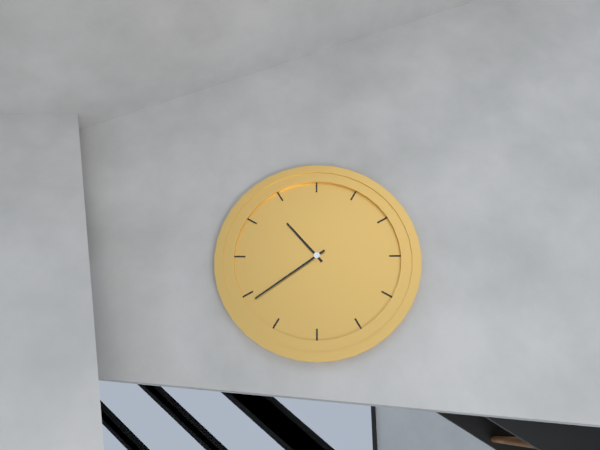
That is 10 h 39 min
